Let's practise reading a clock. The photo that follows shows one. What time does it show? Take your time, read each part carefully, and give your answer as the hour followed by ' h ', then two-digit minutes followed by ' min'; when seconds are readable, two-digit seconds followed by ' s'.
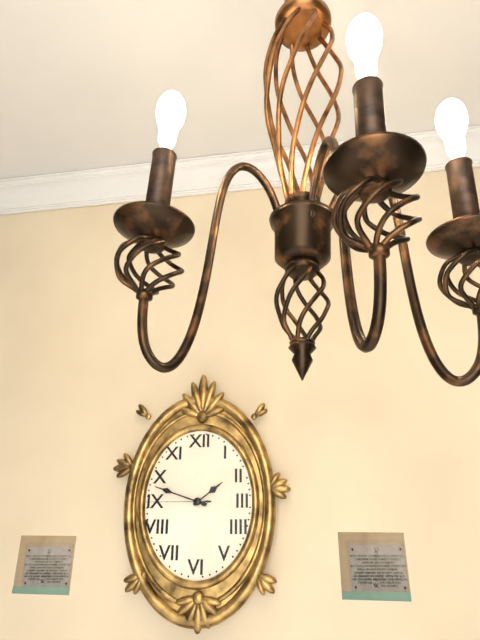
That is 1 h 48 min 45 s
